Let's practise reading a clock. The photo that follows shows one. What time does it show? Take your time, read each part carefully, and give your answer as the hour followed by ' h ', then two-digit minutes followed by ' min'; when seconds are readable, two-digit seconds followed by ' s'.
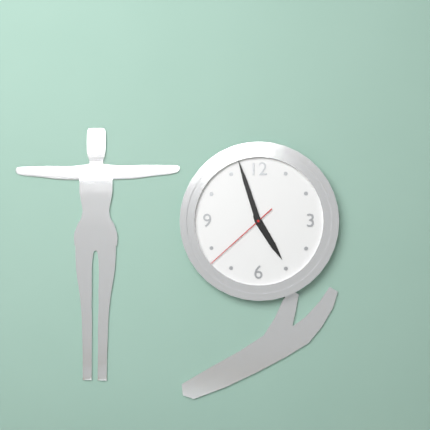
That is 4 h 57 min 38 s
